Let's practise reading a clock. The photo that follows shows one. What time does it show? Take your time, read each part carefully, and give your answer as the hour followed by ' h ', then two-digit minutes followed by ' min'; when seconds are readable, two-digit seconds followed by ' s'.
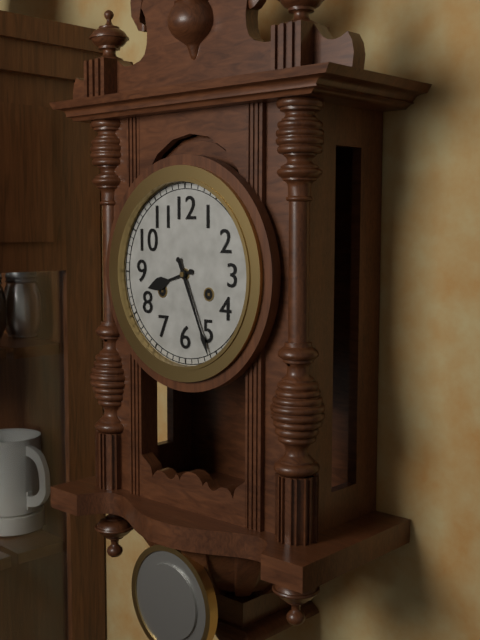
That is 8 h 26 min
